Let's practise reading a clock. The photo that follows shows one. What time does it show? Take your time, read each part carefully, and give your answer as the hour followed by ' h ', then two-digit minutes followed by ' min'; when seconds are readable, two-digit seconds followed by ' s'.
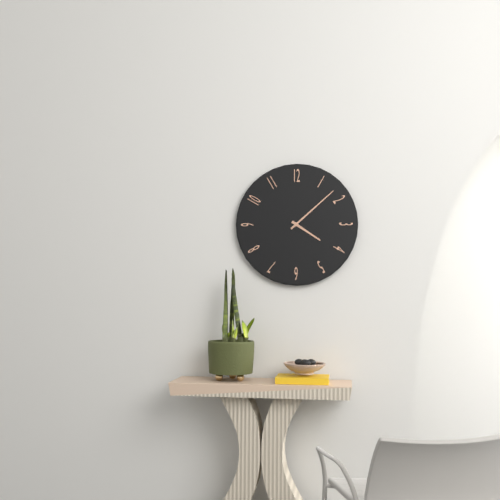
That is 4 h 08 min
